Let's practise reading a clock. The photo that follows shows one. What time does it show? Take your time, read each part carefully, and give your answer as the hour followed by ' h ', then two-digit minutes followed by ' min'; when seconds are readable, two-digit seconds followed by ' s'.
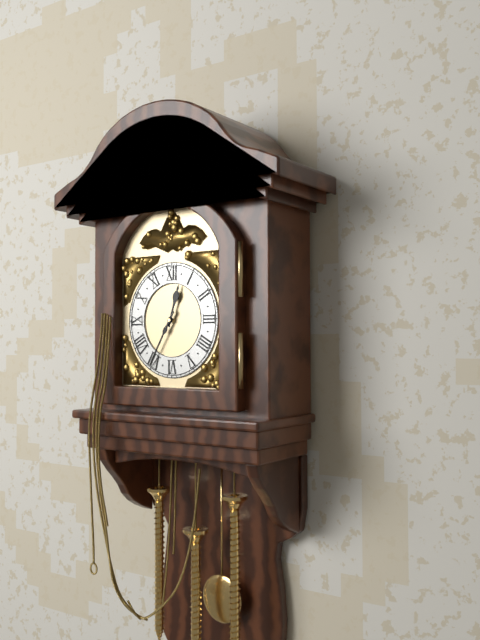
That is 12 h 35 min
